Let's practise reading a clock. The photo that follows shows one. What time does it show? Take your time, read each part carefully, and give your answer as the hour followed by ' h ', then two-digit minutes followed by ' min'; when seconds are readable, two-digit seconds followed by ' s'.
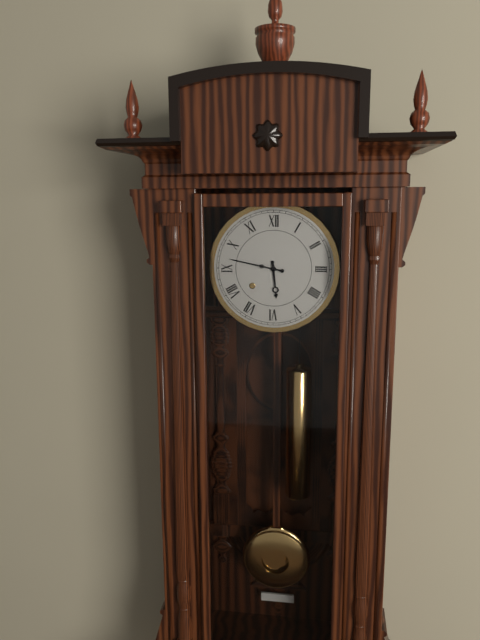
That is 5 h 47 min
